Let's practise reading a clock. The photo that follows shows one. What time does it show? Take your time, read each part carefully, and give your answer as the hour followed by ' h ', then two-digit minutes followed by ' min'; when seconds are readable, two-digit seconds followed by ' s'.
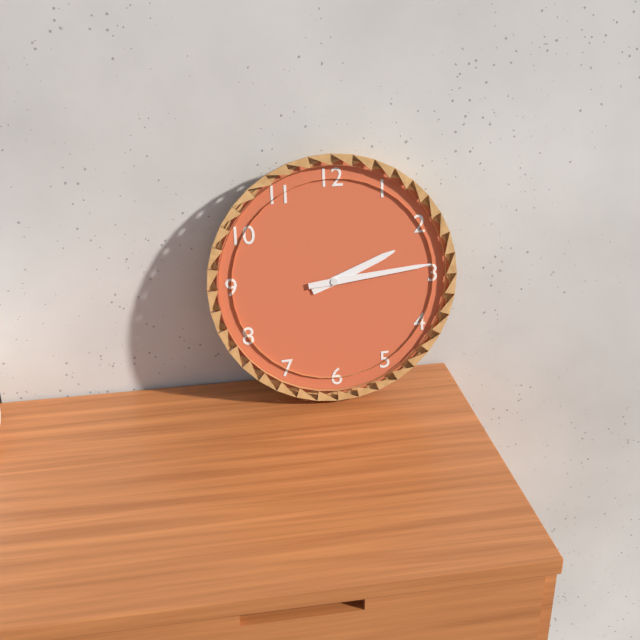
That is 2 h 14 min
